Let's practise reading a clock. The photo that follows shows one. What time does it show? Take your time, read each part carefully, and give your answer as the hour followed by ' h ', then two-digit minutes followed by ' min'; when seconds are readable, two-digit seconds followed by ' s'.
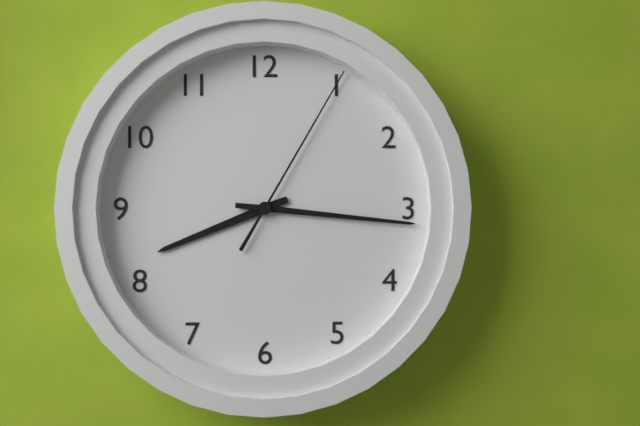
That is 8 h 16 min 05 s
